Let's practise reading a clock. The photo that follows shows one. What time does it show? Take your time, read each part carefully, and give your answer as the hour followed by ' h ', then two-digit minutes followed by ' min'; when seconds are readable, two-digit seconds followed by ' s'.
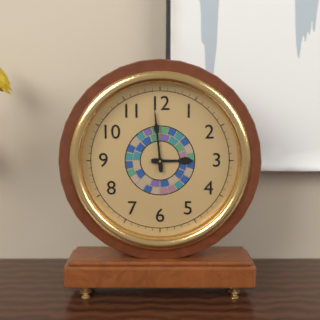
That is 2 h 59 min
